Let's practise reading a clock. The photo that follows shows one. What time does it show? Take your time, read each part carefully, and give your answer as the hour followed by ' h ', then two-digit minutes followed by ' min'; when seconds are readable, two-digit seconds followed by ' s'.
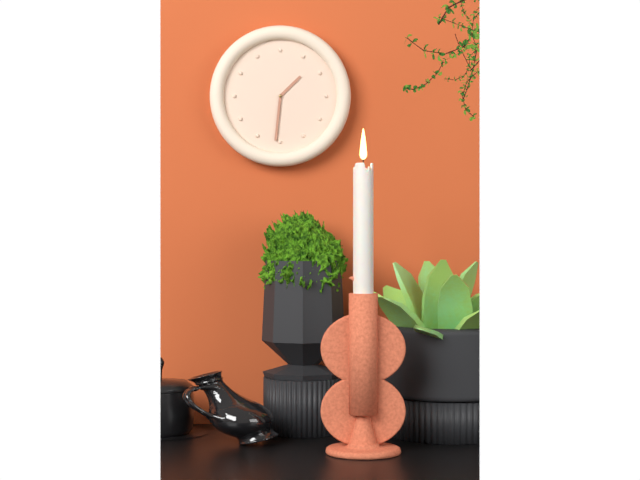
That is 1 h 31 min
